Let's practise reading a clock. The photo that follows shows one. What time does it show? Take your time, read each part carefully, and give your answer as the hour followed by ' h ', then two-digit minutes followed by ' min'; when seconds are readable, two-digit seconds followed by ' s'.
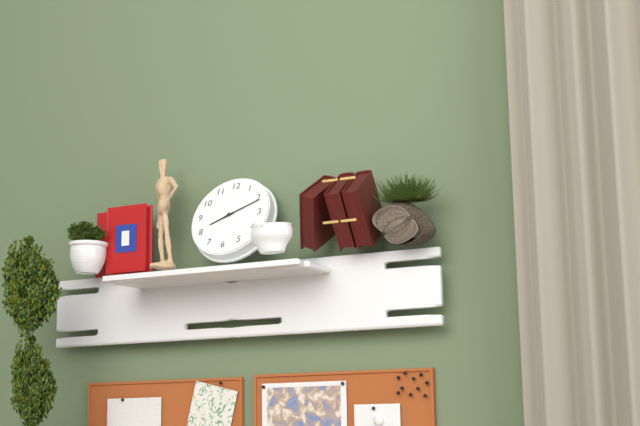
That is 8 h 11 min
